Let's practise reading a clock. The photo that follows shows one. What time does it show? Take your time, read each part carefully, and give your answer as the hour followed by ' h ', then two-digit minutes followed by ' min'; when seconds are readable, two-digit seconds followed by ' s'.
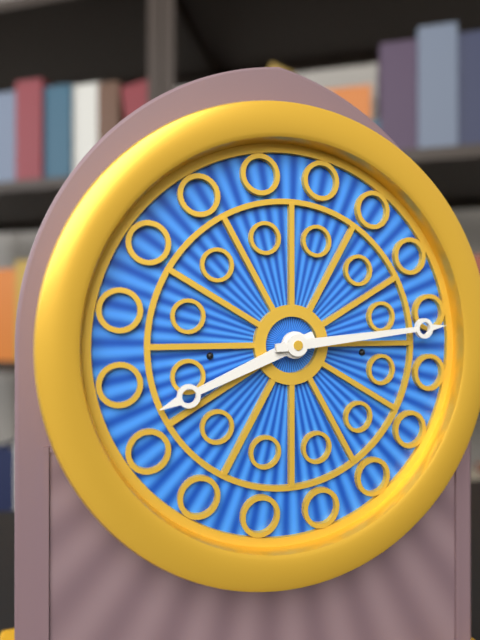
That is 8 h 14 min
